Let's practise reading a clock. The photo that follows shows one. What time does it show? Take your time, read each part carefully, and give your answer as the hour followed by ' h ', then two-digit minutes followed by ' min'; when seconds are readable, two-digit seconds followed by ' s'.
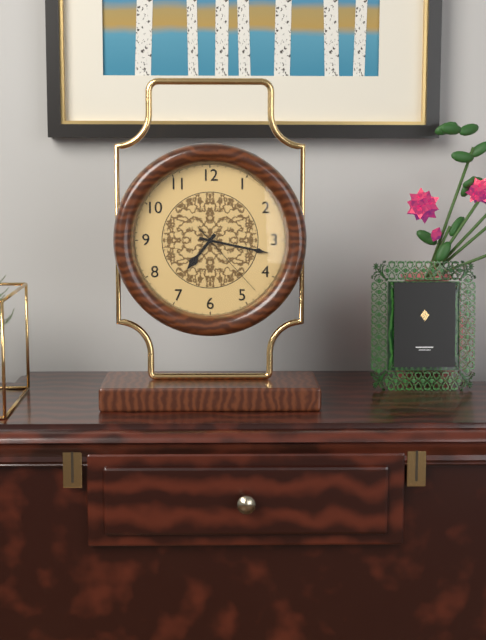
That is 7 h 17 min 23 s
